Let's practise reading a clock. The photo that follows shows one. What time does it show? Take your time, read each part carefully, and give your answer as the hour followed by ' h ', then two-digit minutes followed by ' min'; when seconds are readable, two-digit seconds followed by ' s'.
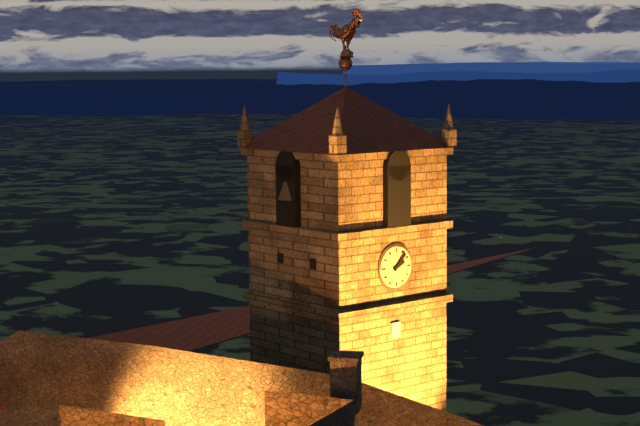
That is 2 h 07 min
